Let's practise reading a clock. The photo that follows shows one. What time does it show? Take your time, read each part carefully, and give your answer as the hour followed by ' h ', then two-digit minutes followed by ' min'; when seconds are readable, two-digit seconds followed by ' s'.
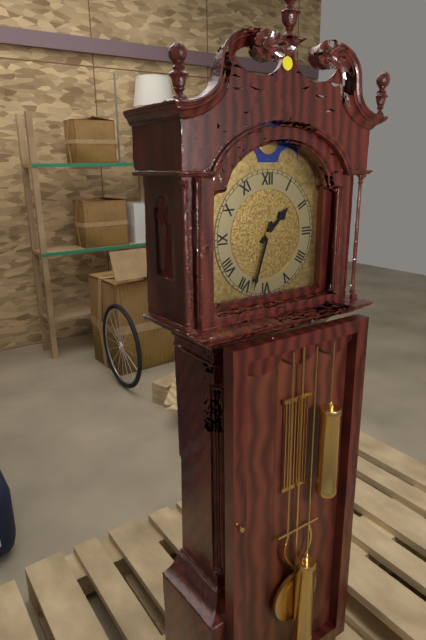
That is 1 h 33 min
